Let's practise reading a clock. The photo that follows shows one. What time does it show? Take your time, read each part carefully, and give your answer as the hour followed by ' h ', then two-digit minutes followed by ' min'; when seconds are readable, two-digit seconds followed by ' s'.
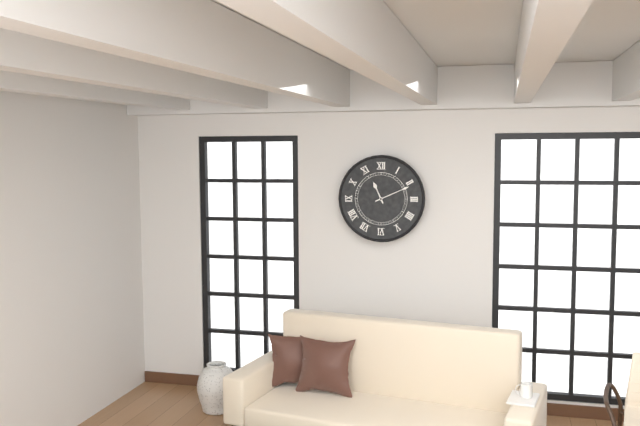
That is 11 h 11 min
